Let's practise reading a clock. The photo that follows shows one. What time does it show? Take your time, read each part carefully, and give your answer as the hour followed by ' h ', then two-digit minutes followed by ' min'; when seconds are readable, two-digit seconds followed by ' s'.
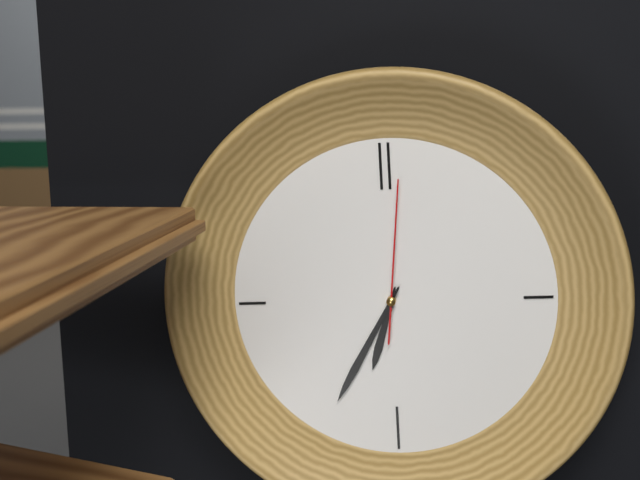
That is 6 h 35 min 01 s
